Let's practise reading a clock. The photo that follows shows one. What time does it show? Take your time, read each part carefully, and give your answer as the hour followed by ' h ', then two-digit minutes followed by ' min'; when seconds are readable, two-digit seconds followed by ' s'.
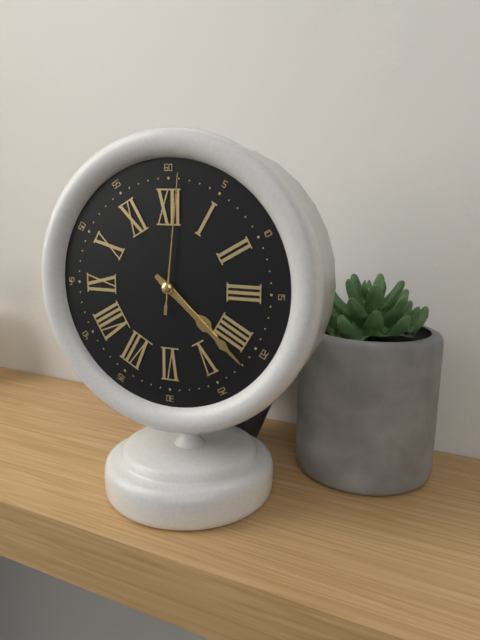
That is 4 h 22 min 01 s
